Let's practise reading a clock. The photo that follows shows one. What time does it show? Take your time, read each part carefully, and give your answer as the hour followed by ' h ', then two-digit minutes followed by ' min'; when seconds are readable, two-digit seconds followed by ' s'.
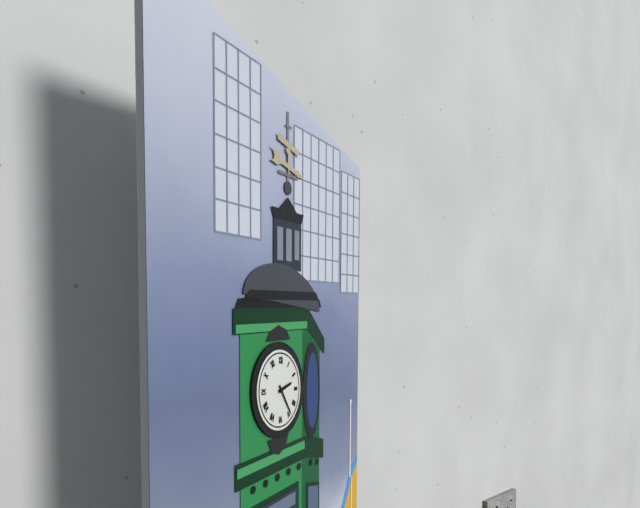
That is 2 h 24 min
